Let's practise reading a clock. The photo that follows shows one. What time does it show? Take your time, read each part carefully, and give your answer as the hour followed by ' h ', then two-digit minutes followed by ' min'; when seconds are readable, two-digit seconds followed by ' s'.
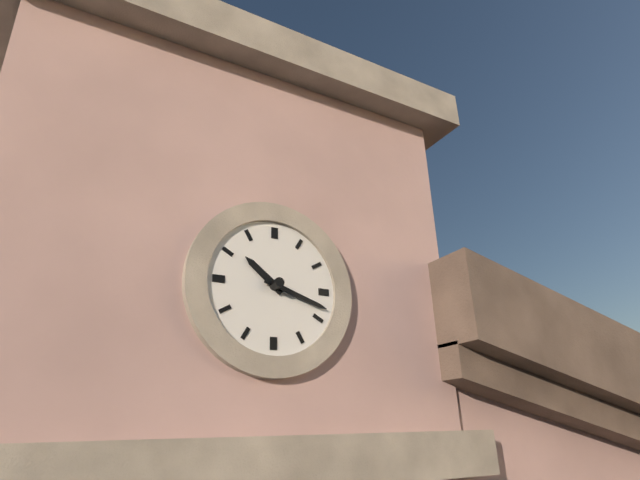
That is 10 h 18 min
